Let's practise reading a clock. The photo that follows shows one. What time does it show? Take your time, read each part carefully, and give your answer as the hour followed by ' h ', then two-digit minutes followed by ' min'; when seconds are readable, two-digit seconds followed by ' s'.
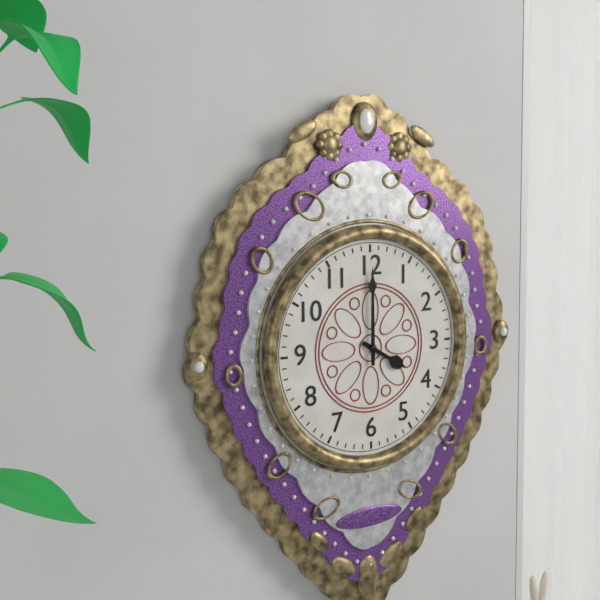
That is 4 h 00 min
